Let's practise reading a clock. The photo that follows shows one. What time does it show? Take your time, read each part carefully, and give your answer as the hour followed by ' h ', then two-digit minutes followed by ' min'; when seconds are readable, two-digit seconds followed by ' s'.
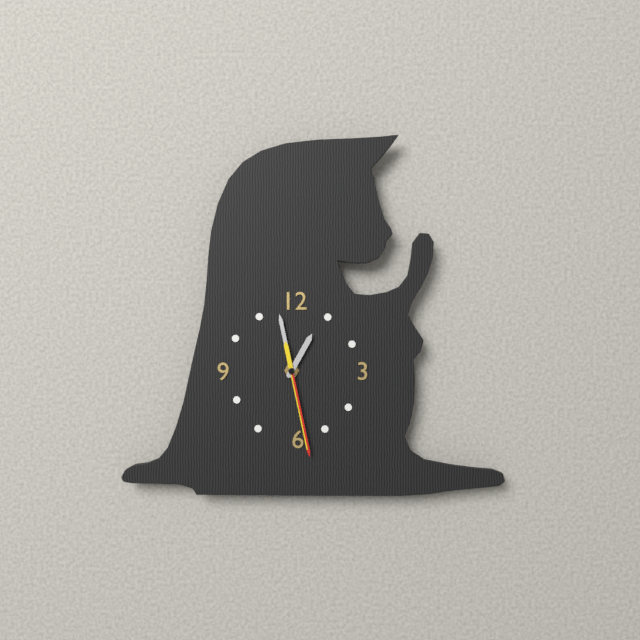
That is 12 h 58 min 28 s
